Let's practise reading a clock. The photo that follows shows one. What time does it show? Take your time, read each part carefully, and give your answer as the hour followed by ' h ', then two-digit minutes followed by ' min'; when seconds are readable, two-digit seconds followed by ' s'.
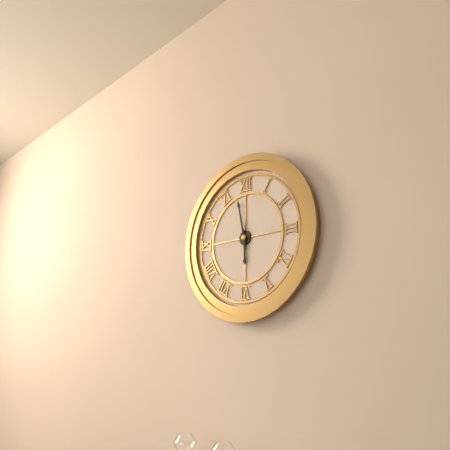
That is 5 h 58 min
